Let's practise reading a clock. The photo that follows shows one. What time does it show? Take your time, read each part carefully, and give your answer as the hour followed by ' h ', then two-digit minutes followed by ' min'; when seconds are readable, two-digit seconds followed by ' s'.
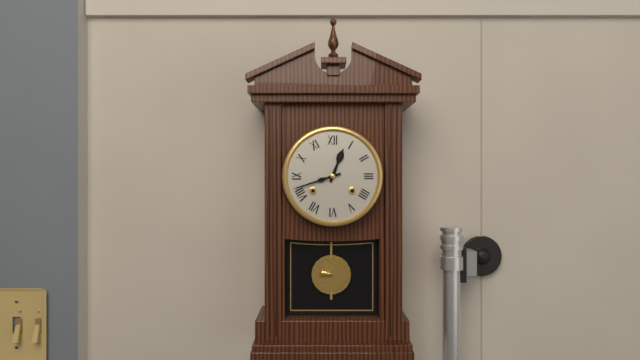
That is 12 h 42 min
